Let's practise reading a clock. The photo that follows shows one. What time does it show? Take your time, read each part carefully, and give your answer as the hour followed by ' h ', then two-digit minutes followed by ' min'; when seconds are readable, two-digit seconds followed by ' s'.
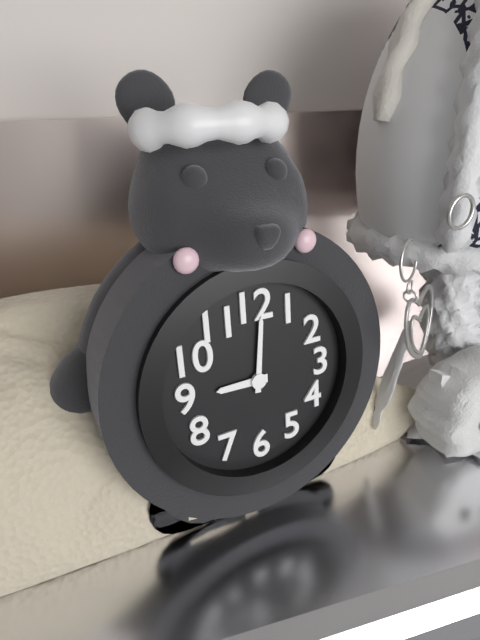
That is 9 h 01 min
